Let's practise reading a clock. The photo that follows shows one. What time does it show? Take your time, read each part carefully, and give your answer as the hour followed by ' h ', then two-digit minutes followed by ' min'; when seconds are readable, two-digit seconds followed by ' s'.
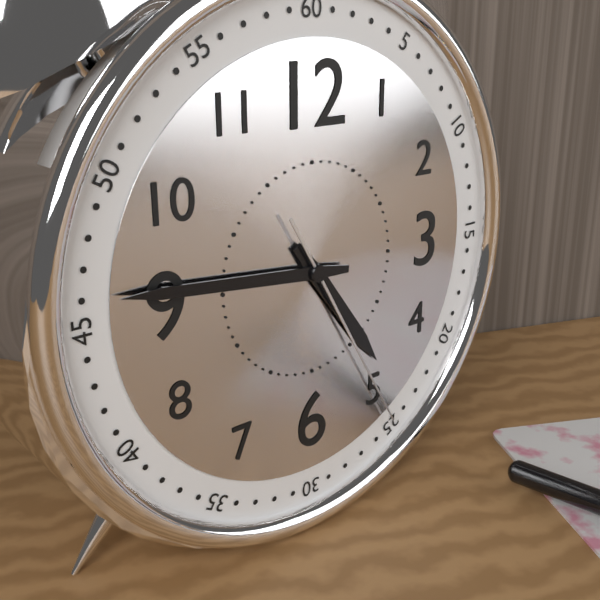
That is 4 h 46 min 25 s
